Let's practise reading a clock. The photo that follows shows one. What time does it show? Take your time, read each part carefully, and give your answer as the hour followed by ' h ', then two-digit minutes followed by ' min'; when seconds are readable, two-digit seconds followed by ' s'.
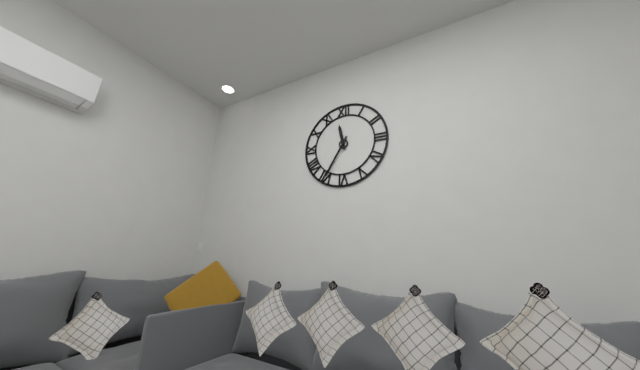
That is 11 h 35 min
